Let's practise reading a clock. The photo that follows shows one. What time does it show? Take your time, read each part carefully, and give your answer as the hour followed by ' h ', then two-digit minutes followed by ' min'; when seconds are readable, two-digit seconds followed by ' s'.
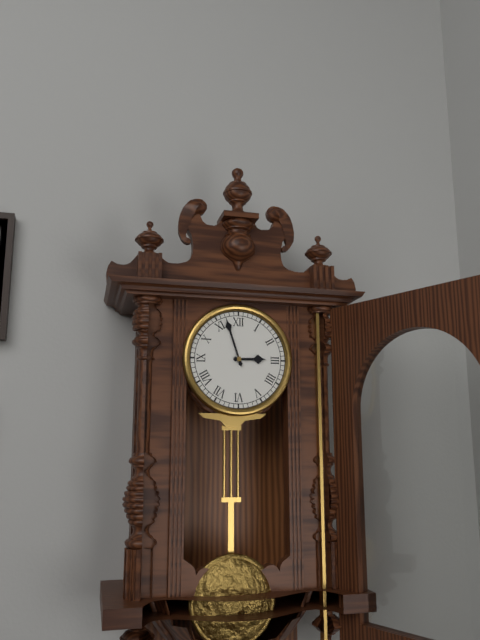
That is 2 h 57 min
